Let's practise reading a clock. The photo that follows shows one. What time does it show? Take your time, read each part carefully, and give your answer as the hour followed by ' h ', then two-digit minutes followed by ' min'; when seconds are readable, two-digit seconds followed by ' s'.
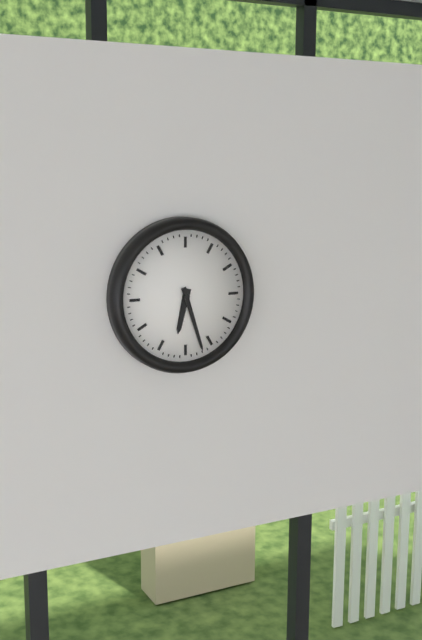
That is 6 h 27 min
